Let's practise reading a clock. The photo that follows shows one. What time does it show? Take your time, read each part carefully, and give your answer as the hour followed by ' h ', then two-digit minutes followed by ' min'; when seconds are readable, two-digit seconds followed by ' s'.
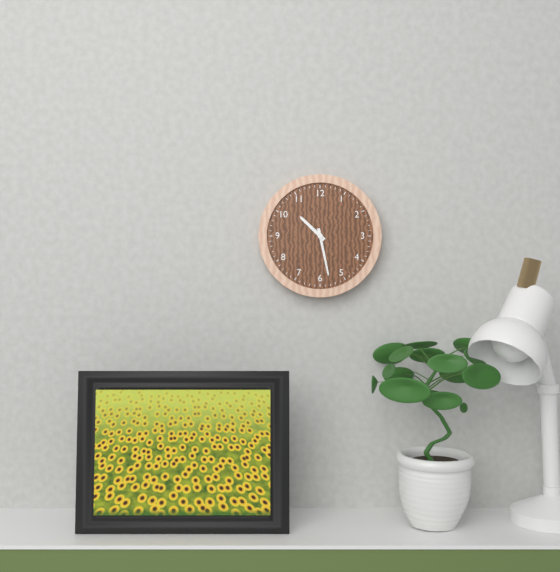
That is 10 h 28 min
